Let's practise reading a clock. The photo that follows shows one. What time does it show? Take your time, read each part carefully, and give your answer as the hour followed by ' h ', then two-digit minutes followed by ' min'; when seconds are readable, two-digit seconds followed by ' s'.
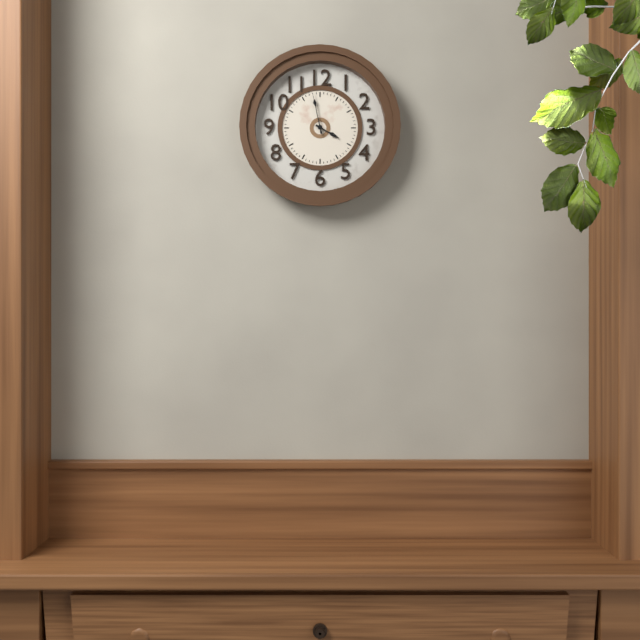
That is 3 h 58 min
